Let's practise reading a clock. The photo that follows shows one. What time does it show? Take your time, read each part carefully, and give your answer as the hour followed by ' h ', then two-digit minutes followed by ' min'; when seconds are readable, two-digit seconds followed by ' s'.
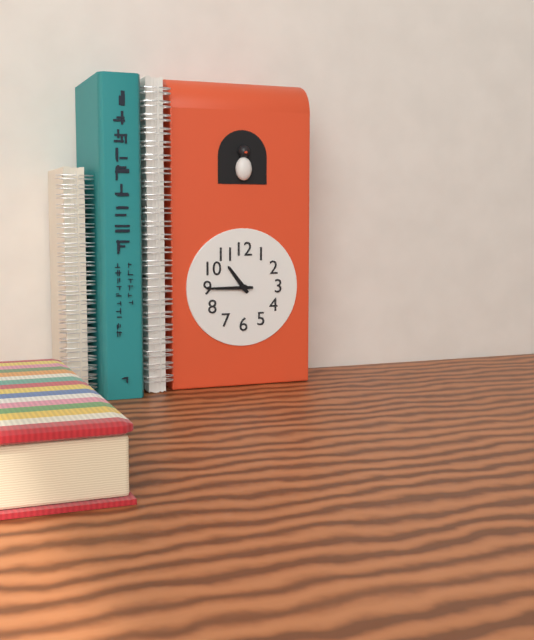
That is 10 h 45 min
